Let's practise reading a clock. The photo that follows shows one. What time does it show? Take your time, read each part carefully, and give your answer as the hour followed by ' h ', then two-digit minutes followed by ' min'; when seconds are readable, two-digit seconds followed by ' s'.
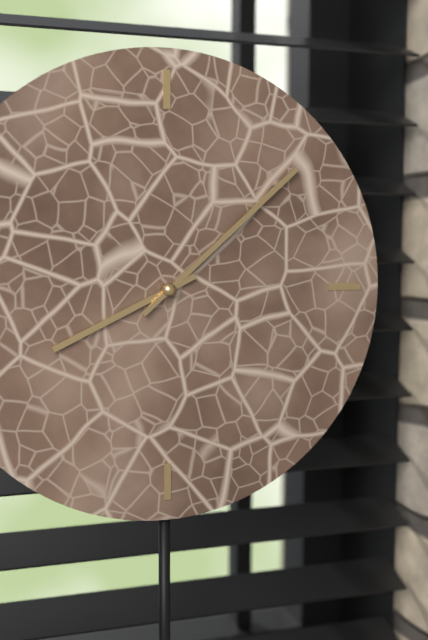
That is 8 h 08 min
